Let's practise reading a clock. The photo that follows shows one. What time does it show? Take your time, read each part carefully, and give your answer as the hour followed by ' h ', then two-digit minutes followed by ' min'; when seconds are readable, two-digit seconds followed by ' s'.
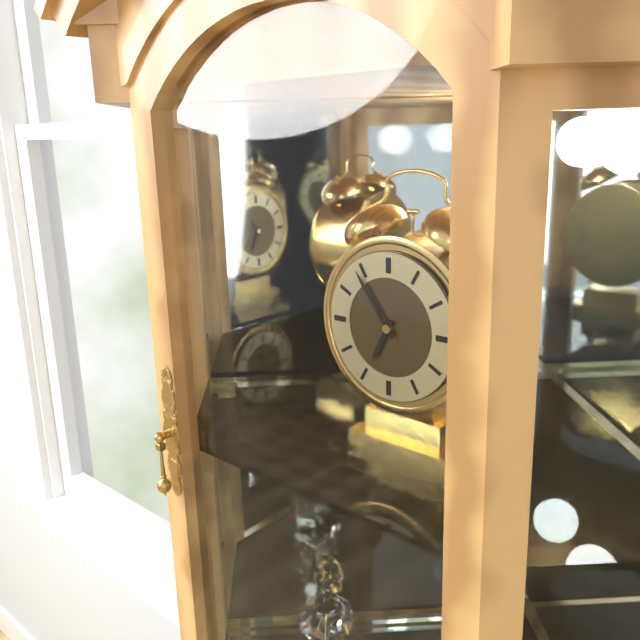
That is 6 h 54 min
